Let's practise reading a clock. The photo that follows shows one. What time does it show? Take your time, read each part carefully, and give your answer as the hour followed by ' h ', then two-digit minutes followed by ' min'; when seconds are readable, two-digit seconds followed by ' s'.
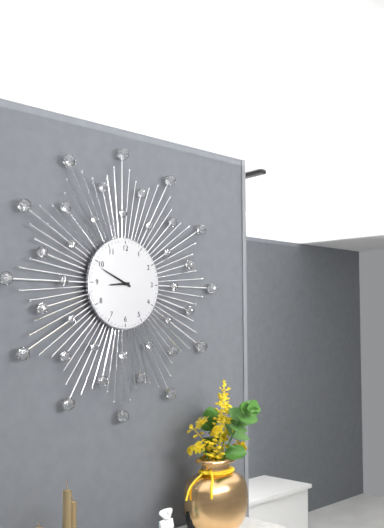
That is 8 h 49 min
